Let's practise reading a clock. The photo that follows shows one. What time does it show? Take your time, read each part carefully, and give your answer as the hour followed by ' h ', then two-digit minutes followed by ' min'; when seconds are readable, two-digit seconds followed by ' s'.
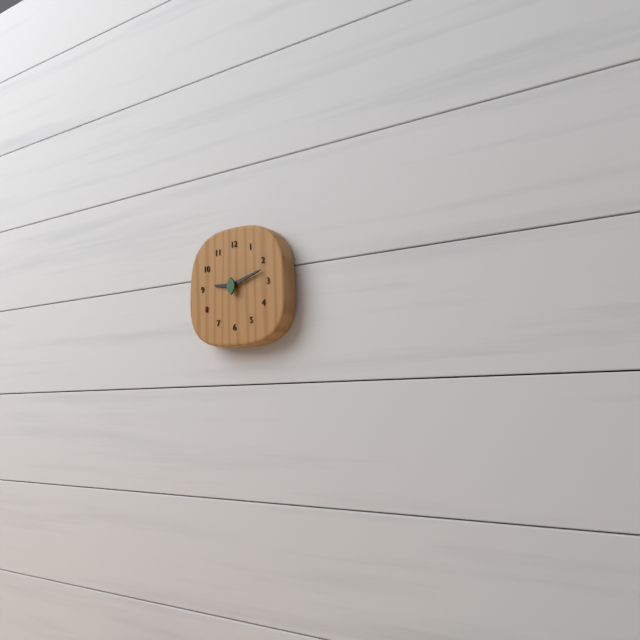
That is 9 h 12 min
